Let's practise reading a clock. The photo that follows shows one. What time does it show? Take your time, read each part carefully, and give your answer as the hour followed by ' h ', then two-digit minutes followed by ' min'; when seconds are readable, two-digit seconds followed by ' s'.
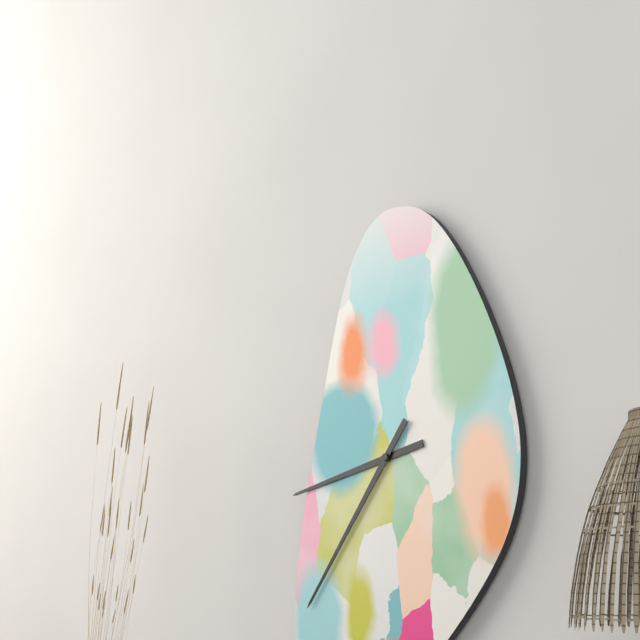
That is 8 h 36 min
